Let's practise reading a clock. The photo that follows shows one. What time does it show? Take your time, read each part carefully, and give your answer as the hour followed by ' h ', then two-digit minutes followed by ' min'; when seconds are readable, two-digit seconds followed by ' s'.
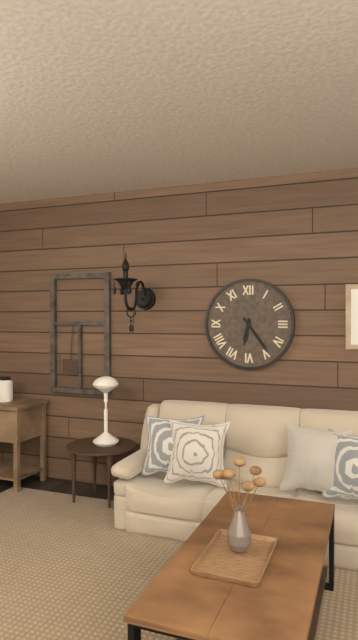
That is 6 h 24 min
